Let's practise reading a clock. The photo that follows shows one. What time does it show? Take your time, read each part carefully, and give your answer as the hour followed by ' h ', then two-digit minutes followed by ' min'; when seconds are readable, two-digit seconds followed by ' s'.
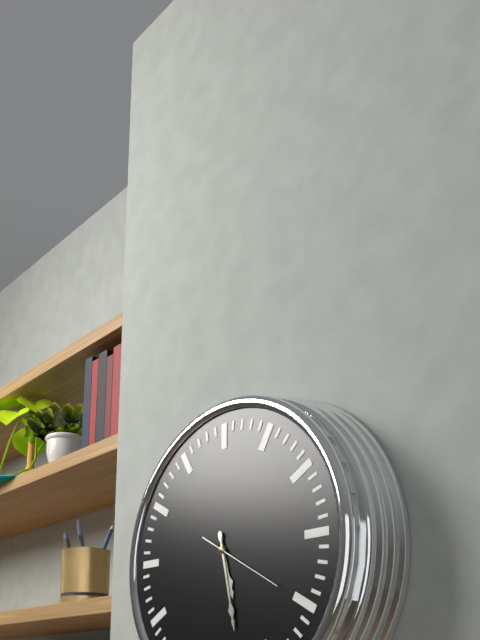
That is 5 h 28 min 20 s
